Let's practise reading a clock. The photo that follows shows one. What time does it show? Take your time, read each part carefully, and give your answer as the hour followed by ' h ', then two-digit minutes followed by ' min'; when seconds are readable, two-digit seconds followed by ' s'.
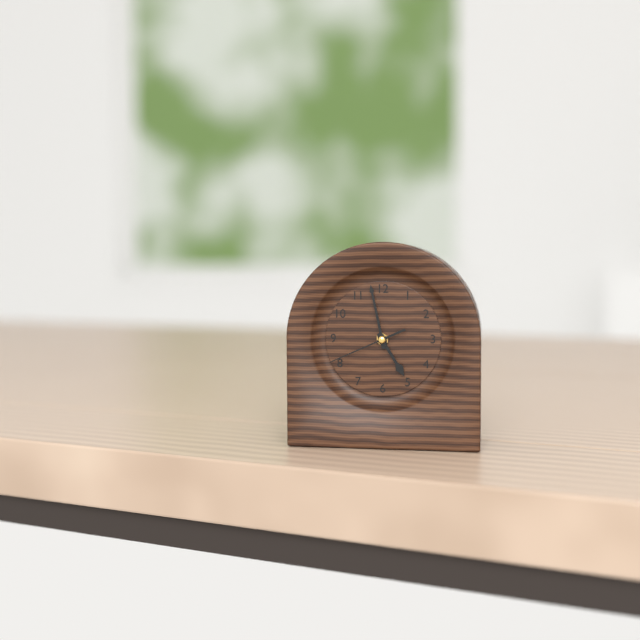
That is 4 h 58 min 41 s
